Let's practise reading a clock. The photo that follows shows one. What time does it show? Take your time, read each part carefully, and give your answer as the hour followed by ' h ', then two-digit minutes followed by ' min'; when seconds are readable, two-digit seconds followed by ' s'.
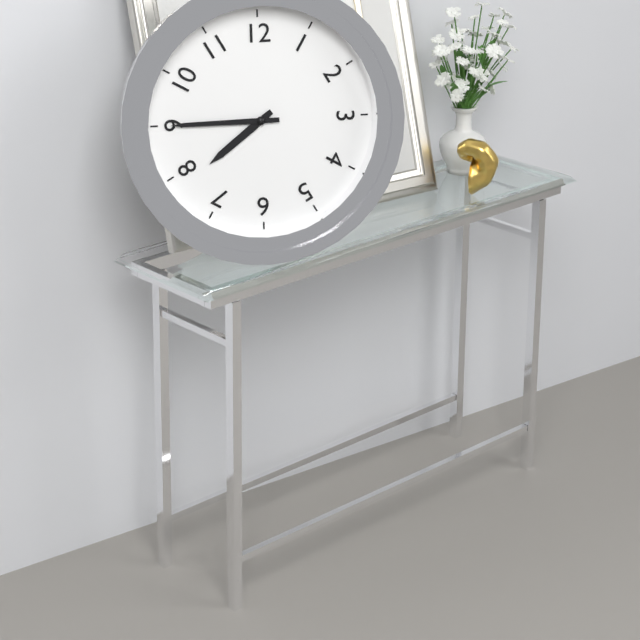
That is 7 h 45 min
